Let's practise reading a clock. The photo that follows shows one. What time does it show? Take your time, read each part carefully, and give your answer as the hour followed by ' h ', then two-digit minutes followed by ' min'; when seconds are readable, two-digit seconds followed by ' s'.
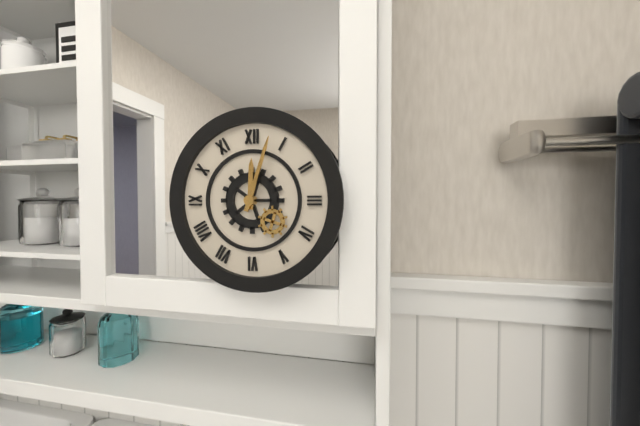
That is 12 h 03 min
